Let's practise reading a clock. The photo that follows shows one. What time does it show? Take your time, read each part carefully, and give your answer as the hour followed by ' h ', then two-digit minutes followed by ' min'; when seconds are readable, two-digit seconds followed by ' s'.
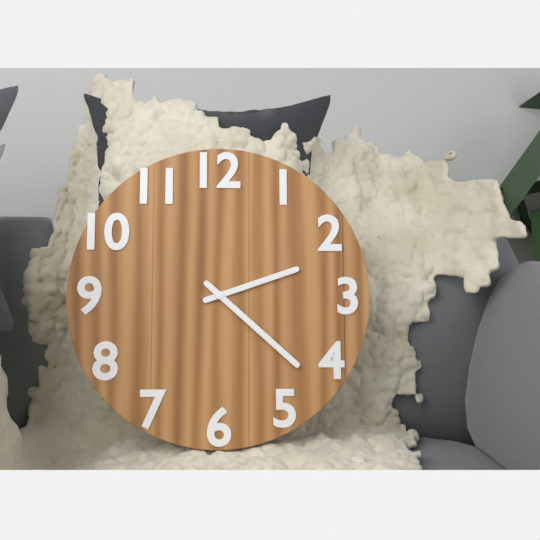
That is 2 h 22 min
